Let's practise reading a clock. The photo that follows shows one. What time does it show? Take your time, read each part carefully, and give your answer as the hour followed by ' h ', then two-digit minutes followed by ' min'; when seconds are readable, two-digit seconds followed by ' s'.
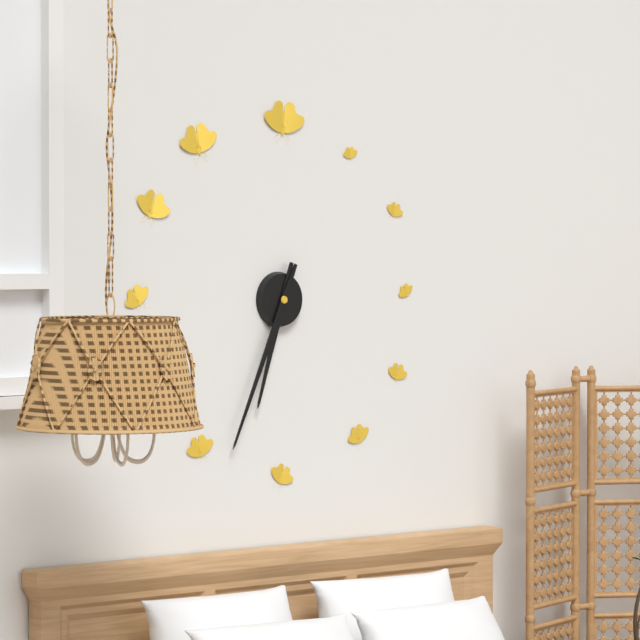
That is 6 h 34 min
